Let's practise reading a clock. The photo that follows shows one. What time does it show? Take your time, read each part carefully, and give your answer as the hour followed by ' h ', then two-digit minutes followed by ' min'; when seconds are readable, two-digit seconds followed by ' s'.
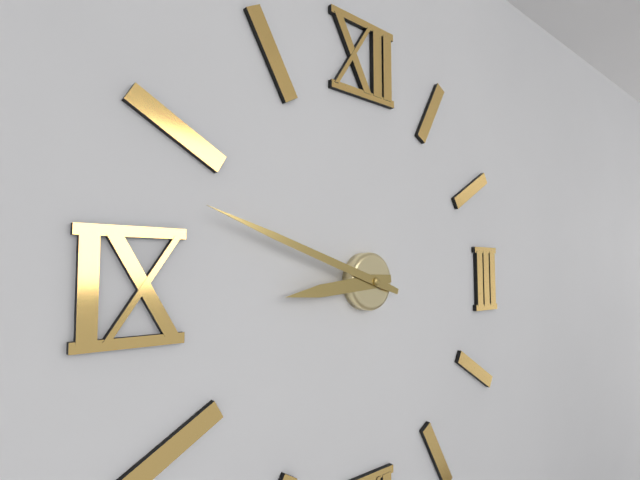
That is 8 h 48 min
